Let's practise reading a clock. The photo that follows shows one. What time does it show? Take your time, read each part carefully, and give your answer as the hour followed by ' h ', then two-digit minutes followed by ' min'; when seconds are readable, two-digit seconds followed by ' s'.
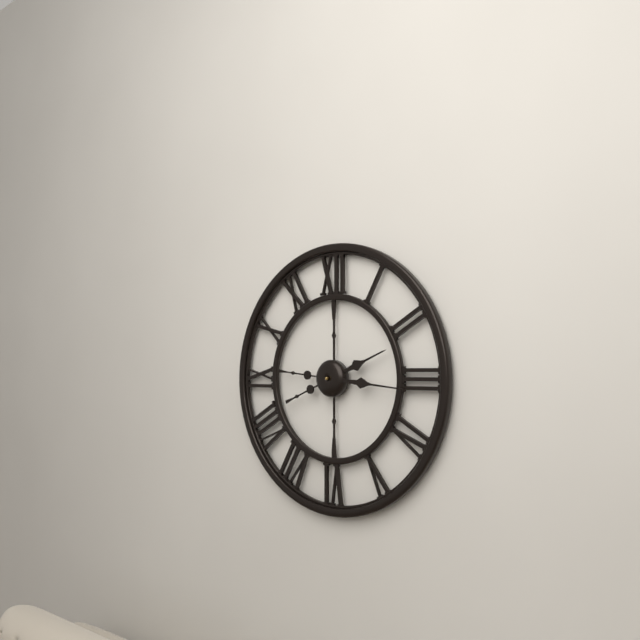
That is 2 h 16 min
